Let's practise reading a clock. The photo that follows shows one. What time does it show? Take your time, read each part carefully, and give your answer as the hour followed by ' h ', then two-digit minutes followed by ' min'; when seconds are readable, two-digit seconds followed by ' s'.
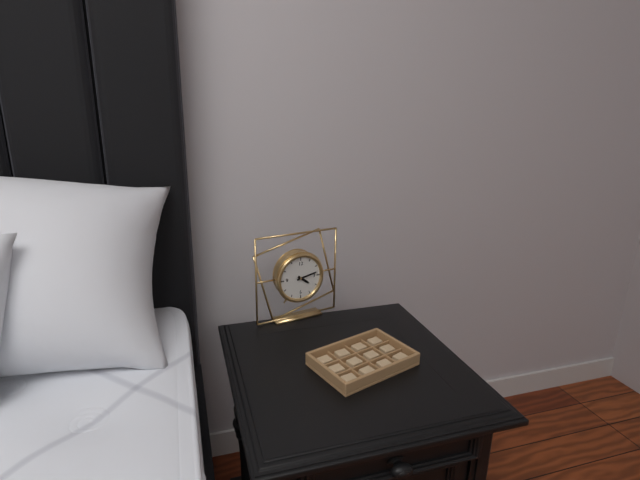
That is 4 h 13 min
